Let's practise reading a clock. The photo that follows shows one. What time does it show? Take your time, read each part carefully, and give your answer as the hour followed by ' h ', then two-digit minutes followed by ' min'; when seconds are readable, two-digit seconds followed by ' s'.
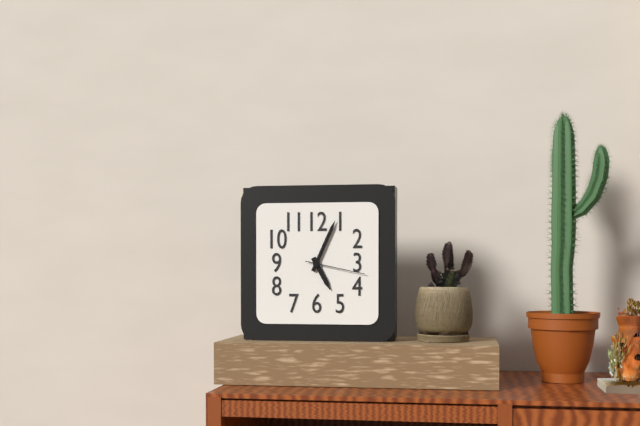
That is 5 h 04 min 17 s
